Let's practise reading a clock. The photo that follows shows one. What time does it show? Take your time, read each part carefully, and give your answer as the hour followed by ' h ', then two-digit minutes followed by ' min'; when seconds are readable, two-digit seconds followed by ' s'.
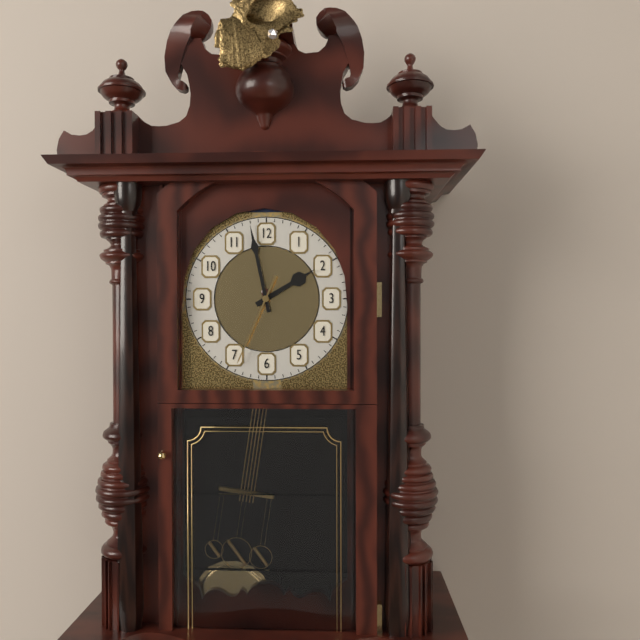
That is 1 h 58 min 34 s
